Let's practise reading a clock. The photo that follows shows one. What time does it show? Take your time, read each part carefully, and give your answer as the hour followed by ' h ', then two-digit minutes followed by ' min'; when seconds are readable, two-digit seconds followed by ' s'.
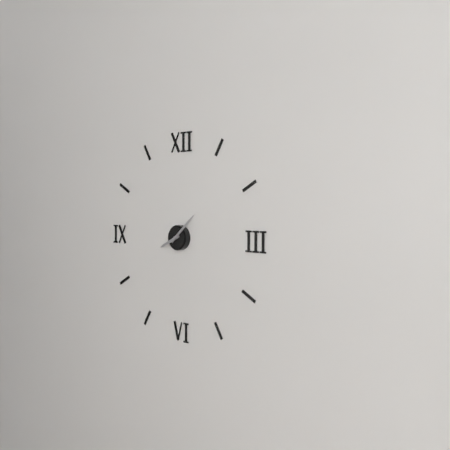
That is 8 h 08 min
